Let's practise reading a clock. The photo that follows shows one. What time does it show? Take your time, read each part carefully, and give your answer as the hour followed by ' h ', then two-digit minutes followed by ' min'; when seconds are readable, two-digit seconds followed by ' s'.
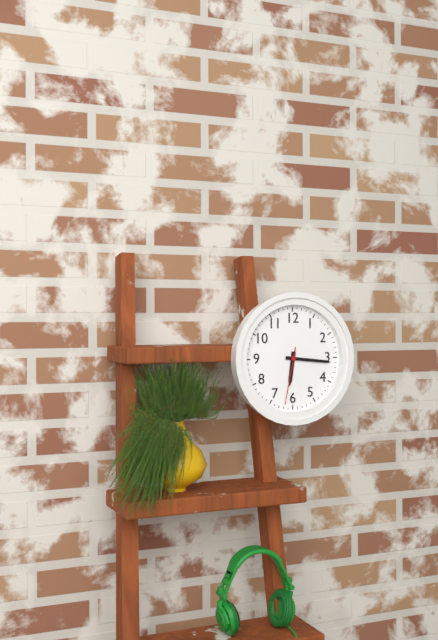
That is 6 h 16 min 32 s
